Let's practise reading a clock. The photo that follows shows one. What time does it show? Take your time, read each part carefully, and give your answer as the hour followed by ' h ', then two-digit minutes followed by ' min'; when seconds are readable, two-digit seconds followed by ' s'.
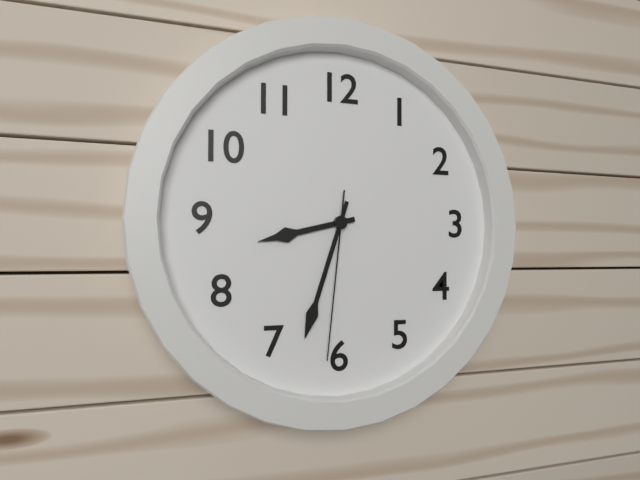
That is 8 h 33 min 31 s
